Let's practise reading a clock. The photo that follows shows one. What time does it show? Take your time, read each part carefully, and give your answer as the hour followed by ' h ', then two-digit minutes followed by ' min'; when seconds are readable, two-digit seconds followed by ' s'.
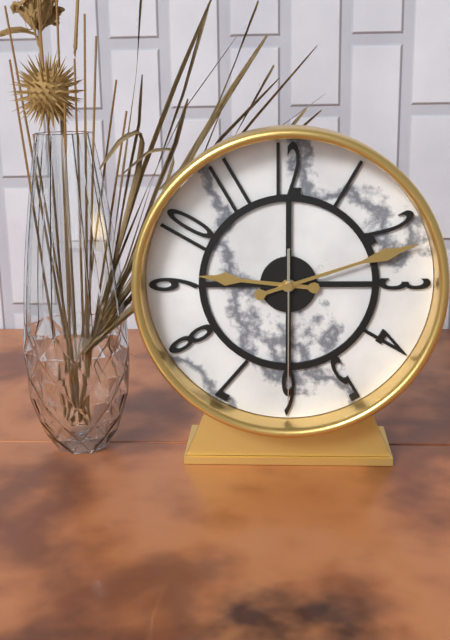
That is 9 h 12 min 30 s
